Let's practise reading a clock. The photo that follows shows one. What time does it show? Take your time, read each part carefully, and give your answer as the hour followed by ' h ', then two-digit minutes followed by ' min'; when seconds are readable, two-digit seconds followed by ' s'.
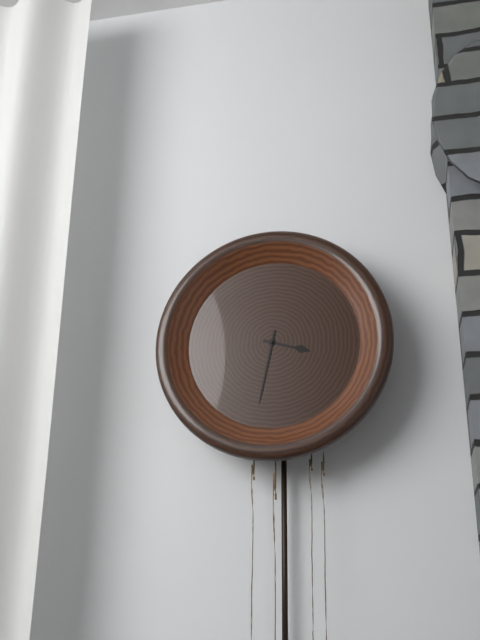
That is 3 h 32 min
